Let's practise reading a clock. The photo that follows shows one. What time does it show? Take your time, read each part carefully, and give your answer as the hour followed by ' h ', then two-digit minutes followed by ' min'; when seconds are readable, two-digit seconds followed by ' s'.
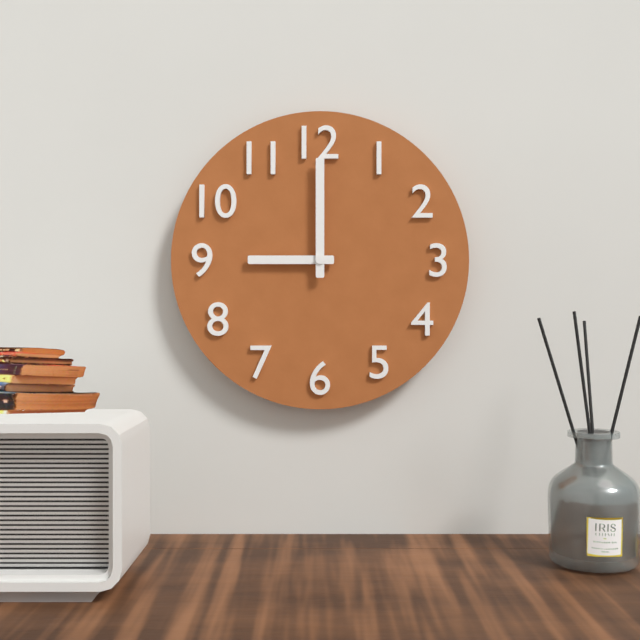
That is 9 h 00 min
